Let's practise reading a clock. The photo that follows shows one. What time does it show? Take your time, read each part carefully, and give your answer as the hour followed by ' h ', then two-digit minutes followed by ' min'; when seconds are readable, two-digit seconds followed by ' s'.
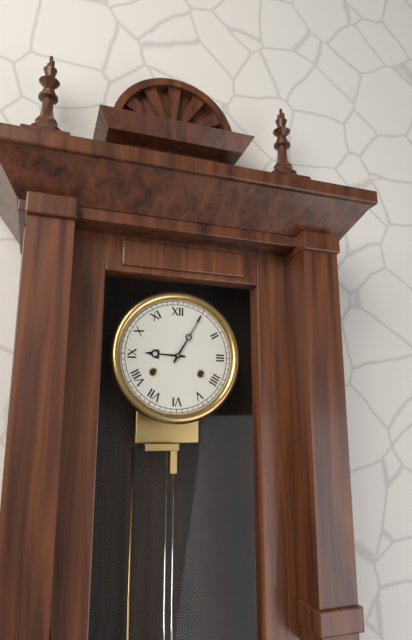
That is 9 h 05 min
